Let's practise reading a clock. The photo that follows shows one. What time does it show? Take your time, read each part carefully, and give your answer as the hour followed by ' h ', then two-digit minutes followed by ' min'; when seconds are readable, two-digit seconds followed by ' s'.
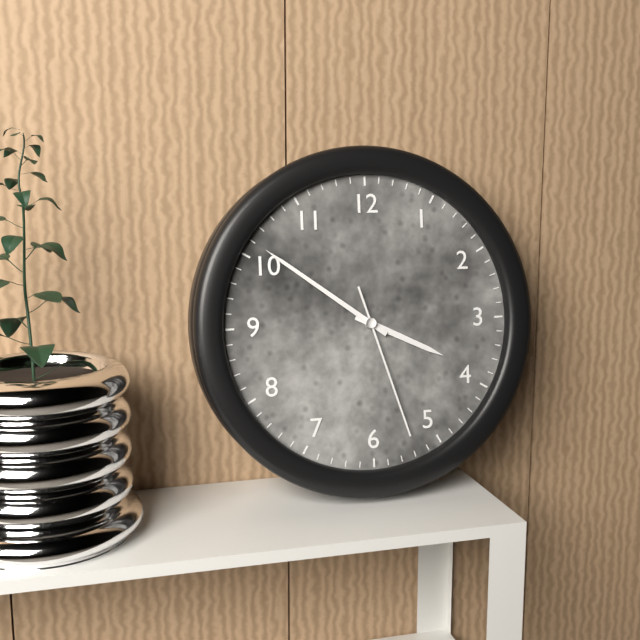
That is 3 h 51 min 27 s
